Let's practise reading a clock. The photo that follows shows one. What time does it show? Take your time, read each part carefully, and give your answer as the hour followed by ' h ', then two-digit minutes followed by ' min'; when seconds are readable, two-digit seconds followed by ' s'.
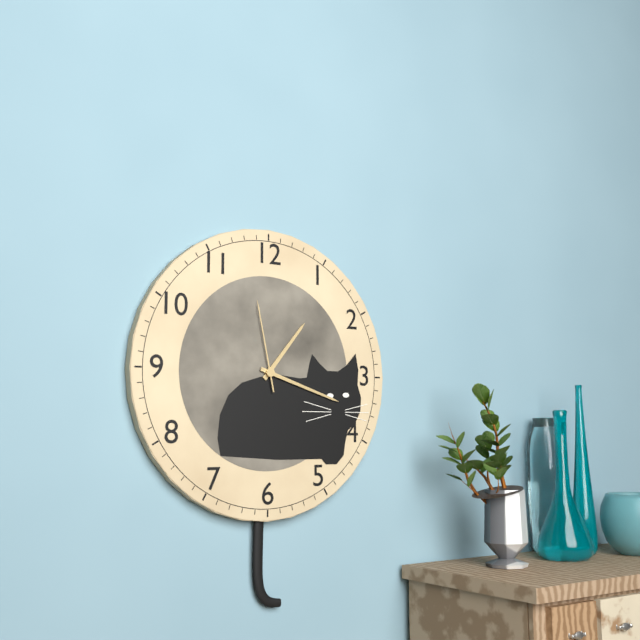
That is 1 h 18 min 58 s
